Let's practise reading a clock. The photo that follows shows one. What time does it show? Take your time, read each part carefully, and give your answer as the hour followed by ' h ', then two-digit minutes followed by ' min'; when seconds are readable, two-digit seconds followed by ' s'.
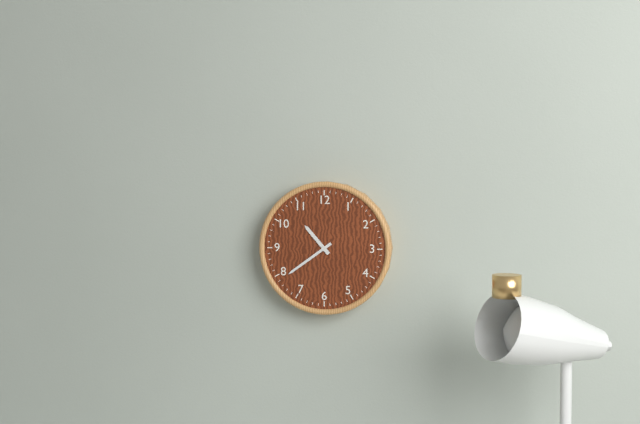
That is 10 h 39 min
